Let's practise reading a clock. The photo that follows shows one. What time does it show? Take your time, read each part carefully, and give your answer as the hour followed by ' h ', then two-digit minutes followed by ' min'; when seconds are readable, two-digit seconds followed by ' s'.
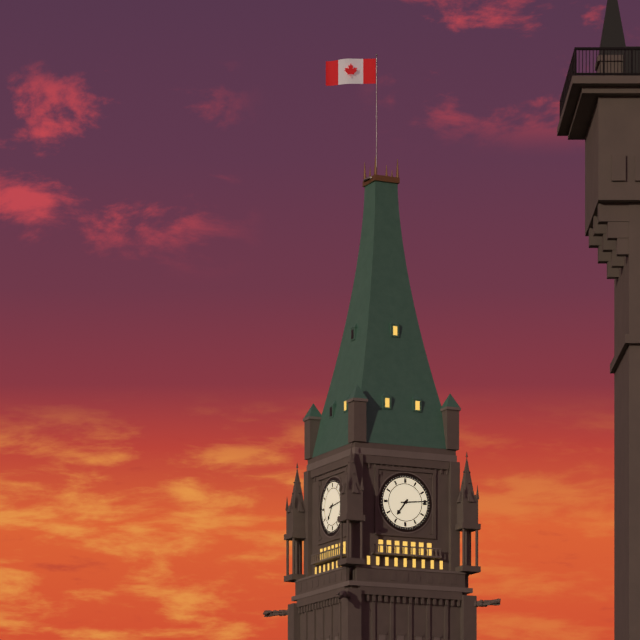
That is 7 h 14 min
